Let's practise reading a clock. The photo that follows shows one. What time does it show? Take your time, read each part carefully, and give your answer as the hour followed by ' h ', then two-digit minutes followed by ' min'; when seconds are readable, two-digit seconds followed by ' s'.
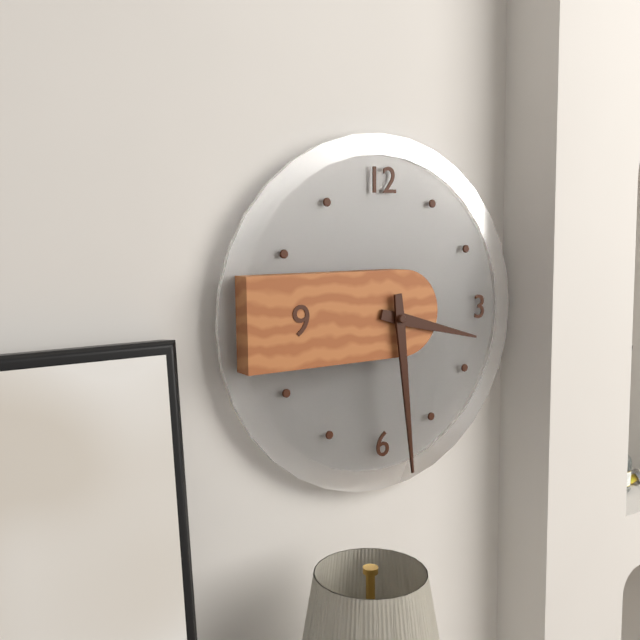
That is 3 h 29 min
